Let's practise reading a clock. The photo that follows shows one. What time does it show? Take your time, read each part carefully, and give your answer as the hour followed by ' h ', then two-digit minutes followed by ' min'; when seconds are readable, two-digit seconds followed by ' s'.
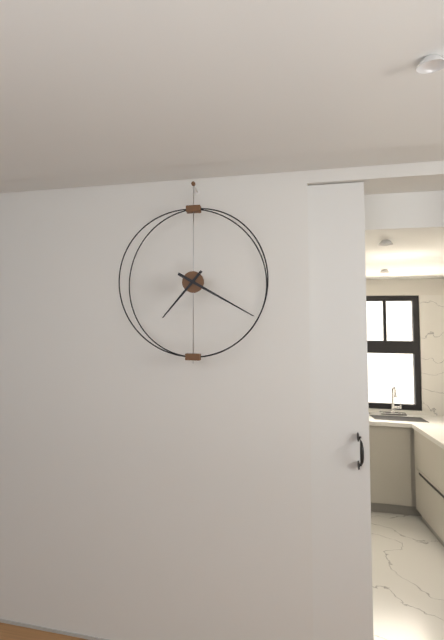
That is 7 h 20 min
